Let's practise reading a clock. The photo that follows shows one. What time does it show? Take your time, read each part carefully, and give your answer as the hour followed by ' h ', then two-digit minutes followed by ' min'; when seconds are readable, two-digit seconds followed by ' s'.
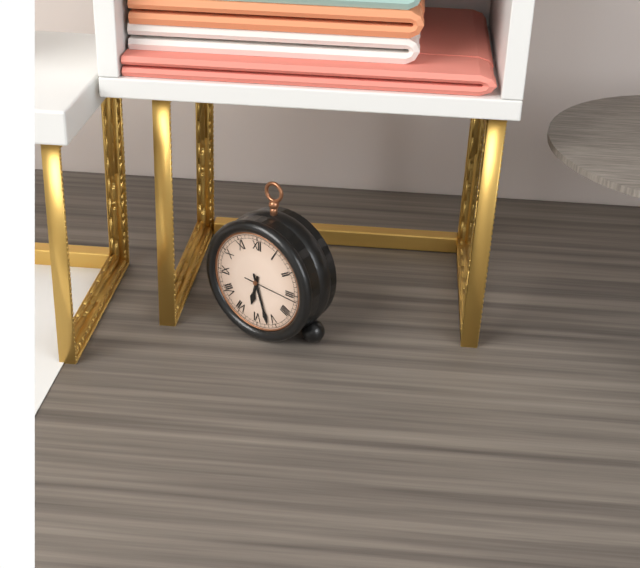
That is 6 h 27 min 16 s
